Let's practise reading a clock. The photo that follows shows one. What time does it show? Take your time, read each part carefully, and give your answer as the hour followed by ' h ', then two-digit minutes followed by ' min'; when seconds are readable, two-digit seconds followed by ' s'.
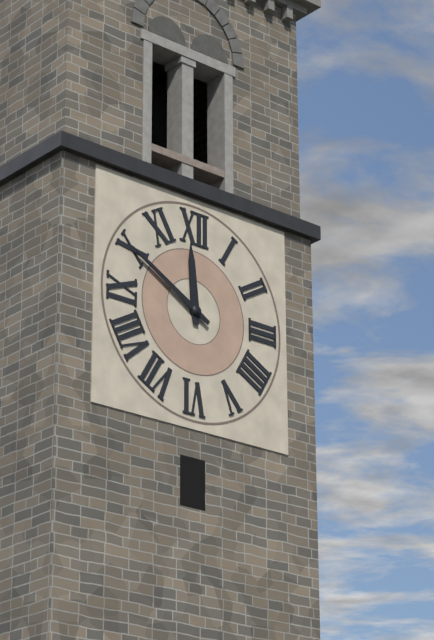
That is 11 h 50 min
